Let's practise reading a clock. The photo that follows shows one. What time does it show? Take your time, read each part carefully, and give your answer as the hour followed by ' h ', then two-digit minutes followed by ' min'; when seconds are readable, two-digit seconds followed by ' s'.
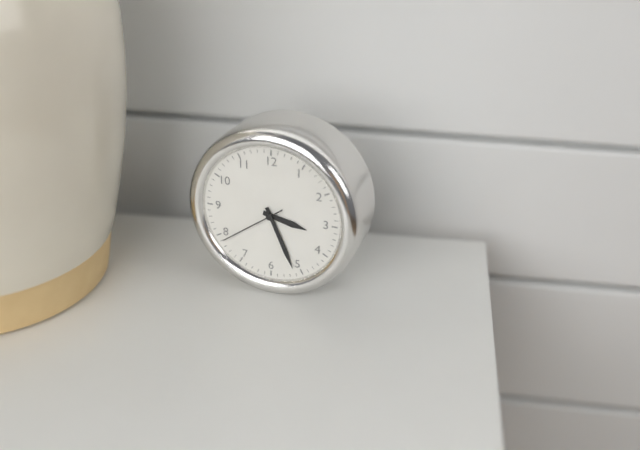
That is 3 h 26 min 39 s
